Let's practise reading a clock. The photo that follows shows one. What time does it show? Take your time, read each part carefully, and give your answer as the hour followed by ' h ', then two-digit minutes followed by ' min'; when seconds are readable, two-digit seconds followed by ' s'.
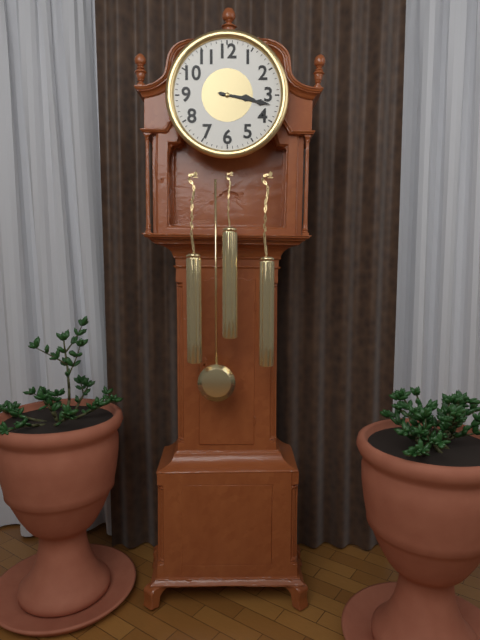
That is 3 h 17 min
